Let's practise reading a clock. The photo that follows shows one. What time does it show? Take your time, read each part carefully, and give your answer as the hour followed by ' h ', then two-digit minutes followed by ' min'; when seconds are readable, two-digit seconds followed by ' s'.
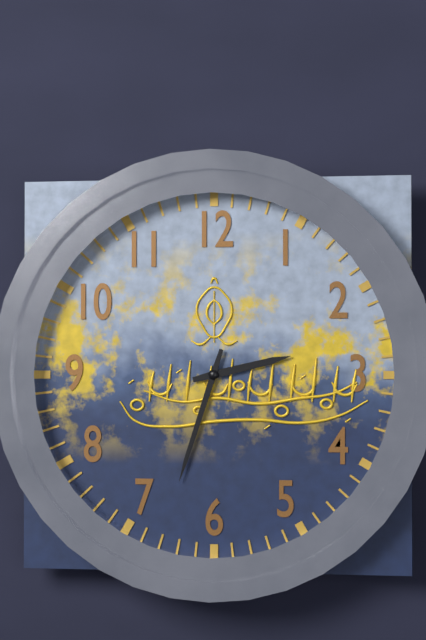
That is 2 h 33 min
